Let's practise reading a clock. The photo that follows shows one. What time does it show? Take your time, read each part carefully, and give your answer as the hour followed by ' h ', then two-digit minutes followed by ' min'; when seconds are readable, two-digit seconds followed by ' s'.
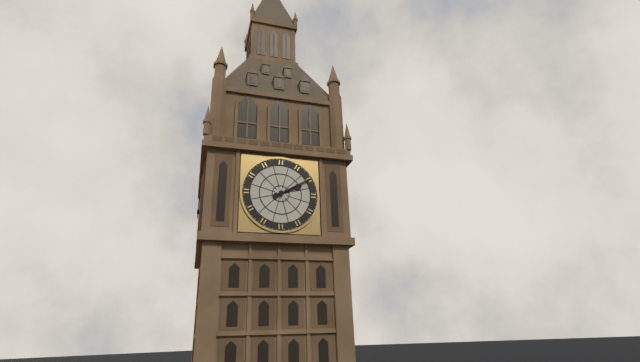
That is 2 h 10 min
